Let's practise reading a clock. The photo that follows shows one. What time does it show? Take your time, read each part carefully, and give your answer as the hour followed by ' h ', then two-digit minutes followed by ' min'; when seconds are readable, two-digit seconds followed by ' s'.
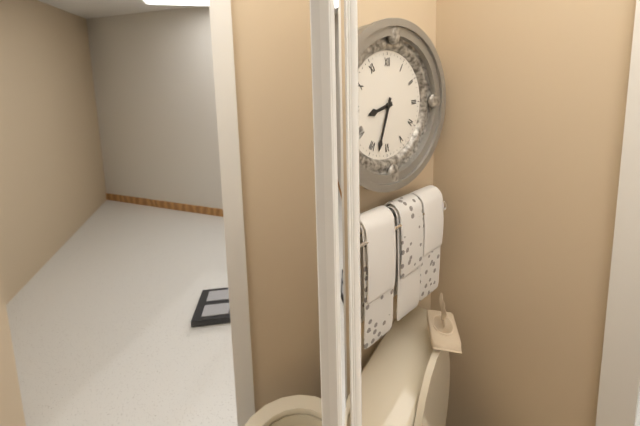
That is 8 h 33 min
